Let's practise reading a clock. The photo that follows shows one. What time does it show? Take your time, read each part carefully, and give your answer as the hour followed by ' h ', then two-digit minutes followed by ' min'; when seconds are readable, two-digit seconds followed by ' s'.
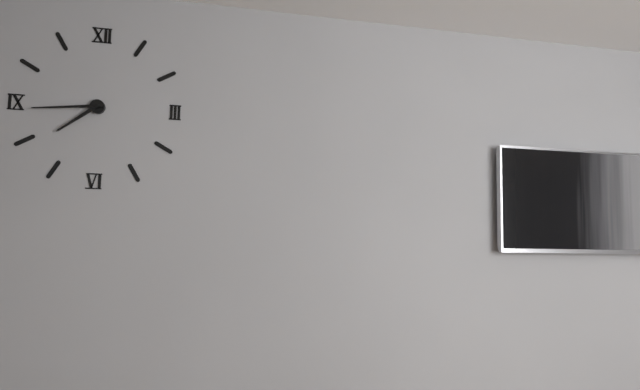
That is 7 h 44 min
